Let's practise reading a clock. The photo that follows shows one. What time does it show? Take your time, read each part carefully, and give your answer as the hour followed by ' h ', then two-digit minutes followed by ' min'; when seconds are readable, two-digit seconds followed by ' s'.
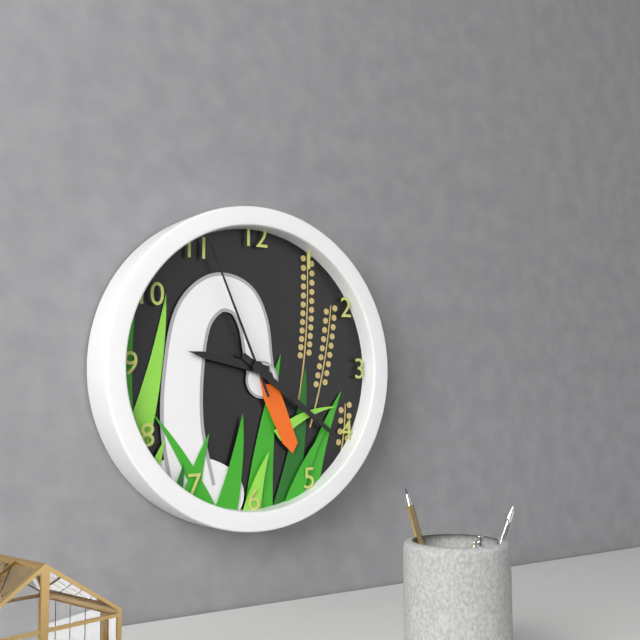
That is 9 h 21 min 56 s
